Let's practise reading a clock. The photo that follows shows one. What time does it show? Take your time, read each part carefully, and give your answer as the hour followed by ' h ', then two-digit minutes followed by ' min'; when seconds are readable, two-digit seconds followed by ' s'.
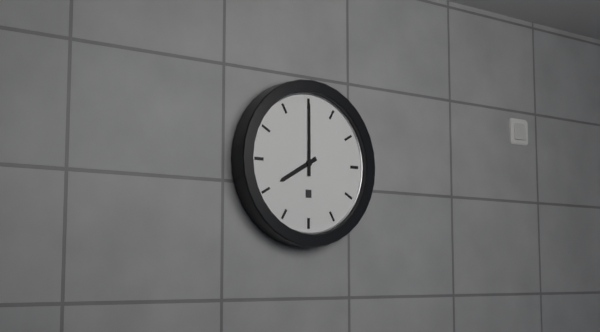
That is 8 h 00 min
